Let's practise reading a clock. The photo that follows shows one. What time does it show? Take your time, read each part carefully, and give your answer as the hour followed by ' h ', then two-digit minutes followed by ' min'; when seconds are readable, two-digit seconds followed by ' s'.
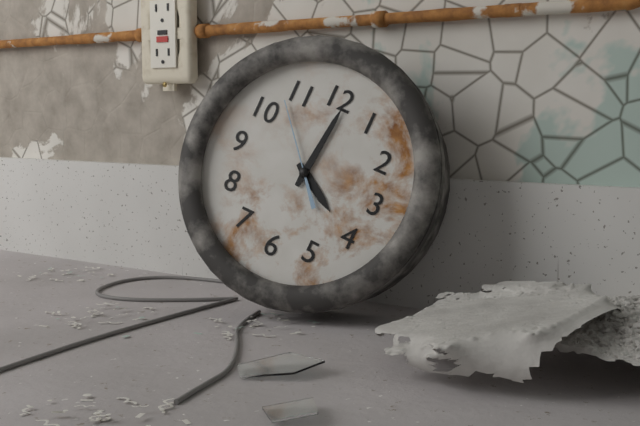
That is 4 h 01 min 53 s
